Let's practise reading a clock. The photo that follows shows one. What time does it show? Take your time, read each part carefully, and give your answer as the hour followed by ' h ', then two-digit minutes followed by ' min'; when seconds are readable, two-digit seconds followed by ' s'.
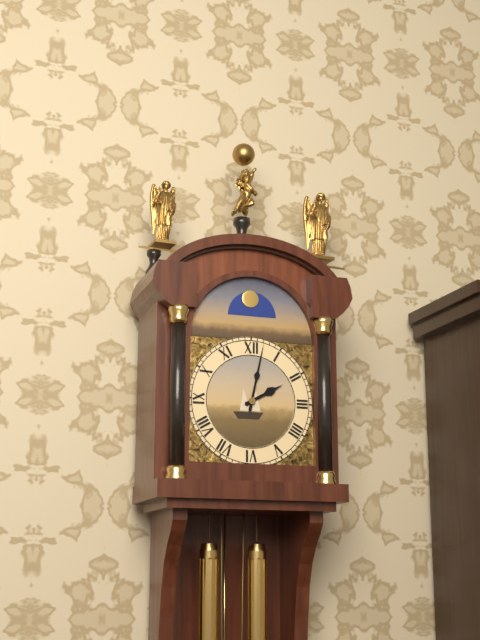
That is 2 h 02 min
